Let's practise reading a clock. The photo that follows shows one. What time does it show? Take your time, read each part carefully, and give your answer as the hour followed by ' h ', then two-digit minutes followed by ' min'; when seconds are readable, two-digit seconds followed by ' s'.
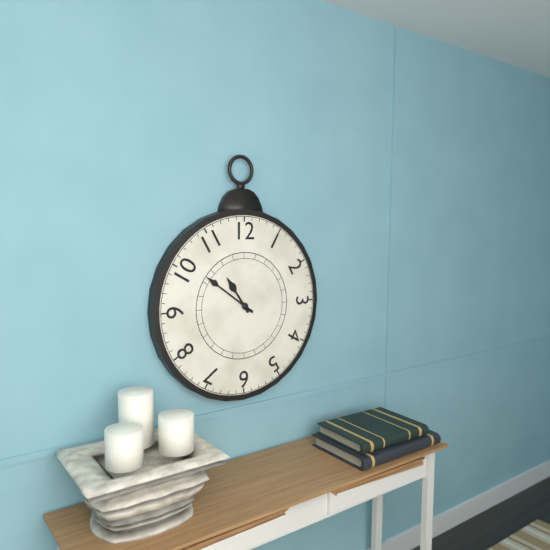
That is 10 h 51 min
